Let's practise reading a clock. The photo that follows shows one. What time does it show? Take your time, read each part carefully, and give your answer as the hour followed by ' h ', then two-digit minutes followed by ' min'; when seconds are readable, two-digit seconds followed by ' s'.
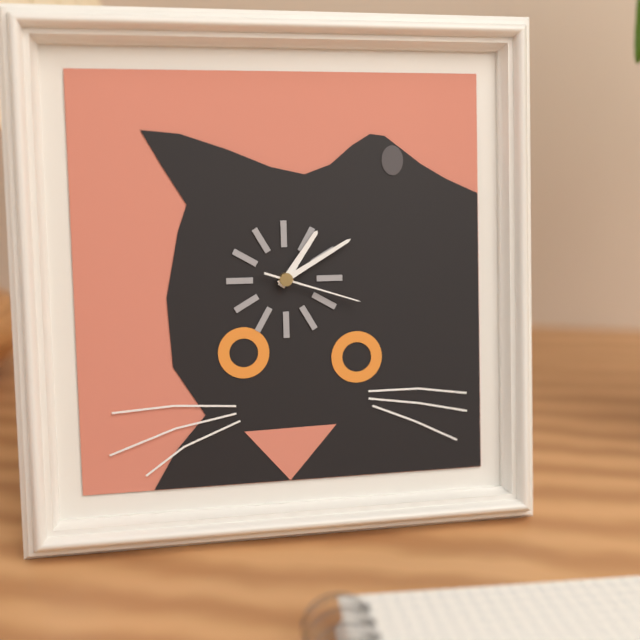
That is 1 h 10 min 18 s
